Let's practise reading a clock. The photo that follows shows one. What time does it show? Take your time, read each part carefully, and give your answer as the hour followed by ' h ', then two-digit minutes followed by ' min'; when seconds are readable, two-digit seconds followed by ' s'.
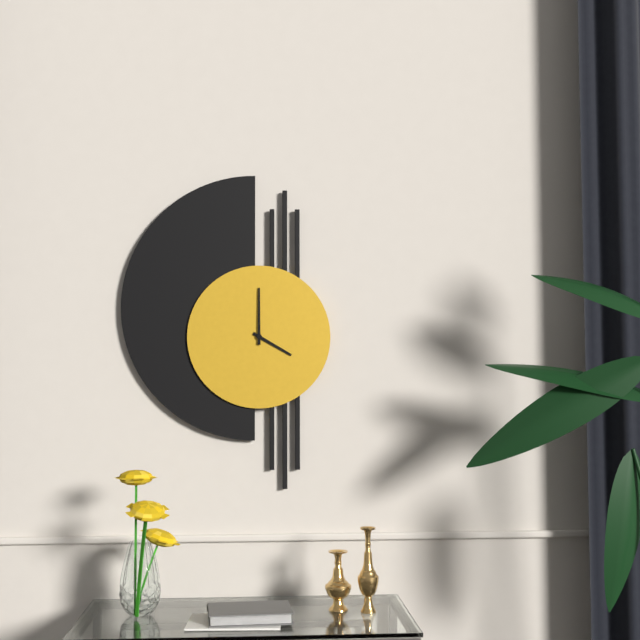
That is 4 h 00 min
